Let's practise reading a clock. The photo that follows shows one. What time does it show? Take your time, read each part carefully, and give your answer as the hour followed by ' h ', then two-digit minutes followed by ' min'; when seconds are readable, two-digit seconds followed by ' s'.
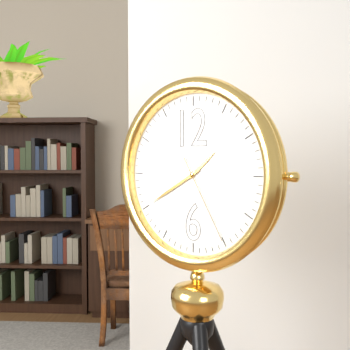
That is 1 h 40 min 25 s
